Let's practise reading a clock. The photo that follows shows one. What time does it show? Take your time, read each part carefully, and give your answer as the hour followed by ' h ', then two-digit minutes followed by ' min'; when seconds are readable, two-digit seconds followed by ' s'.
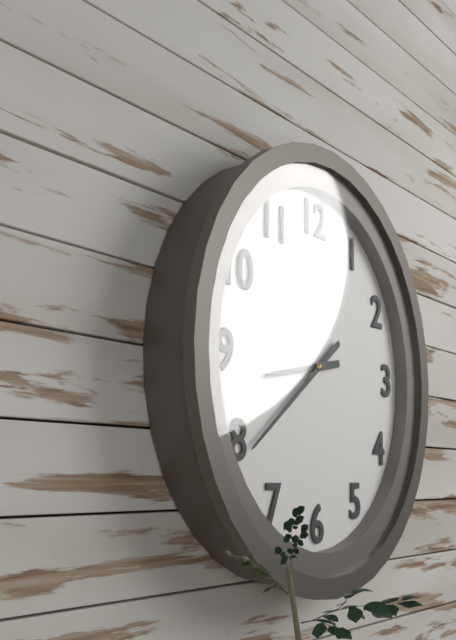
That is 8 h 39 min
